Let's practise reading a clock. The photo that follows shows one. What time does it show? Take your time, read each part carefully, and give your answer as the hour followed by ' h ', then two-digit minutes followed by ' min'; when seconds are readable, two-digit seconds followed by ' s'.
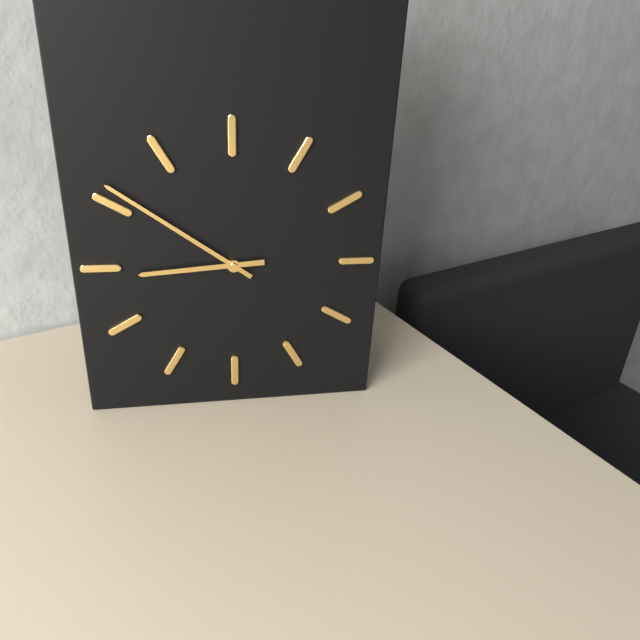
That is 8 h 51 min
